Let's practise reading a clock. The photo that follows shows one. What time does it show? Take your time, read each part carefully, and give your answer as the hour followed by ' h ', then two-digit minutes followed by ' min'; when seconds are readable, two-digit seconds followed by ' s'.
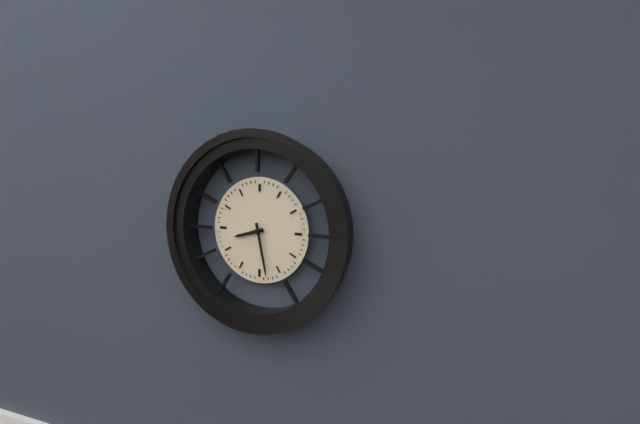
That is 8 h 28 min
